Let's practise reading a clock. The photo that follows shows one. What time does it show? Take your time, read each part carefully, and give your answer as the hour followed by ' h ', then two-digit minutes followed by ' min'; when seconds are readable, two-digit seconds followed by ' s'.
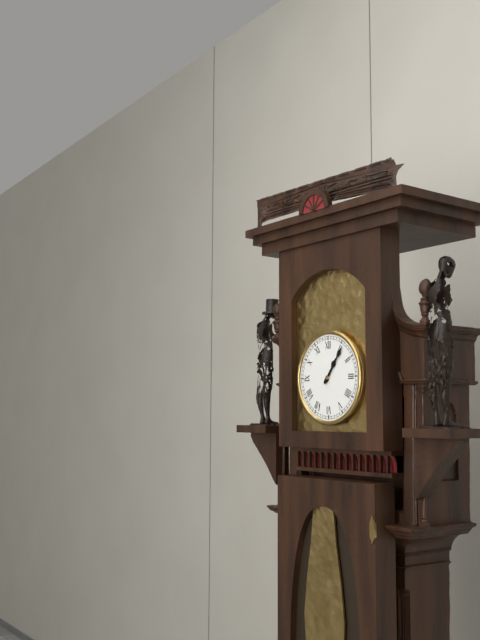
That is 1 h 06 min
